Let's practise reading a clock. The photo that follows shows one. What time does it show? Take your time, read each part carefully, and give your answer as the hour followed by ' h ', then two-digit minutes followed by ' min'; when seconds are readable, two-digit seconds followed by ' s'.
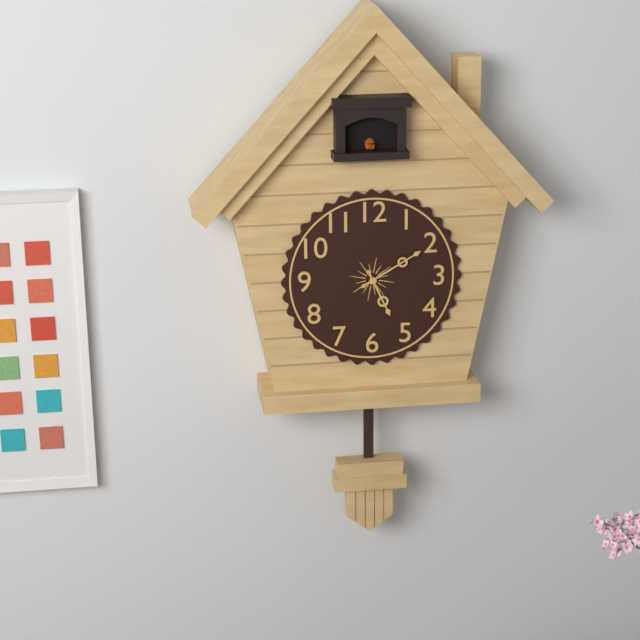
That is 5 h 10 min
